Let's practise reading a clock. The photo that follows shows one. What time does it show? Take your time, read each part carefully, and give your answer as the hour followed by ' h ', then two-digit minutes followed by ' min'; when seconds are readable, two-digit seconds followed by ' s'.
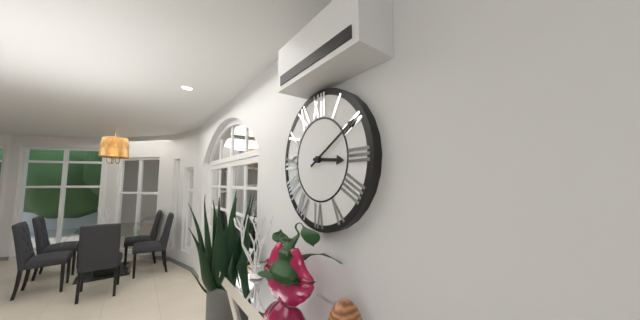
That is 3 h 10 min
